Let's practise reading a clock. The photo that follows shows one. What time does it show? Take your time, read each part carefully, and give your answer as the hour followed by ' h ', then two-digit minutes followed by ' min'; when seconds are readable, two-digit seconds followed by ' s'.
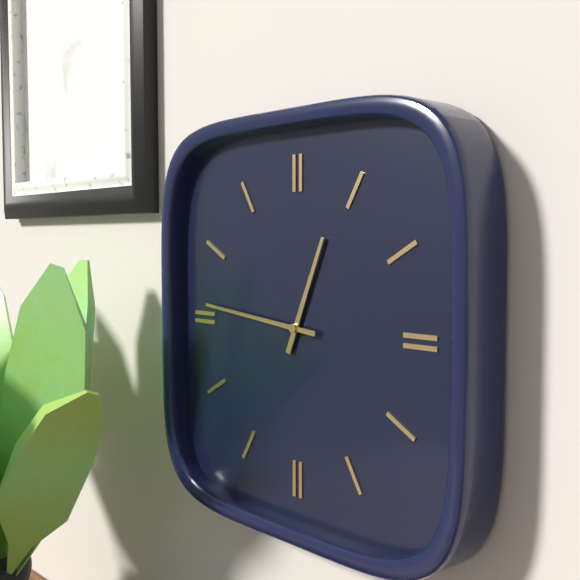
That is 12 h 46 min
